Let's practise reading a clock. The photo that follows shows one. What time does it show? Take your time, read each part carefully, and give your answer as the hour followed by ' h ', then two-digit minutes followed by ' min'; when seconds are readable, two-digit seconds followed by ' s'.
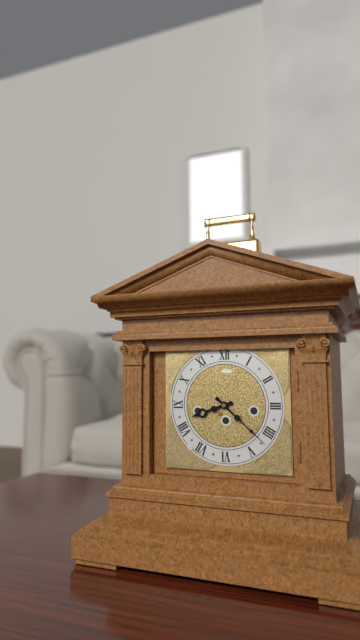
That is 8 h 22 min
